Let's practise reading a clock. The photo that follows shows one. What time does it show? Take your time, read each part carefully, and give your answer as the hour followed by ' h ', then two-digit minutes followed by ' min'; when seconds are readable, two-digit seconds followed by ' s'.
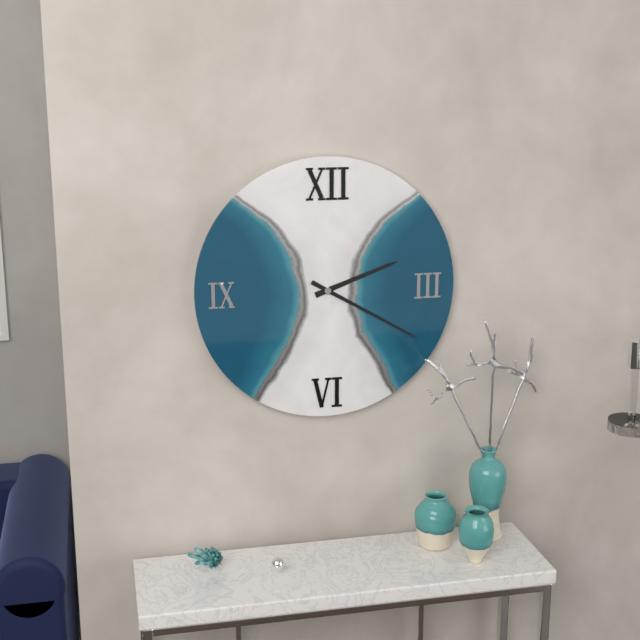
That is 2 h 20 min
